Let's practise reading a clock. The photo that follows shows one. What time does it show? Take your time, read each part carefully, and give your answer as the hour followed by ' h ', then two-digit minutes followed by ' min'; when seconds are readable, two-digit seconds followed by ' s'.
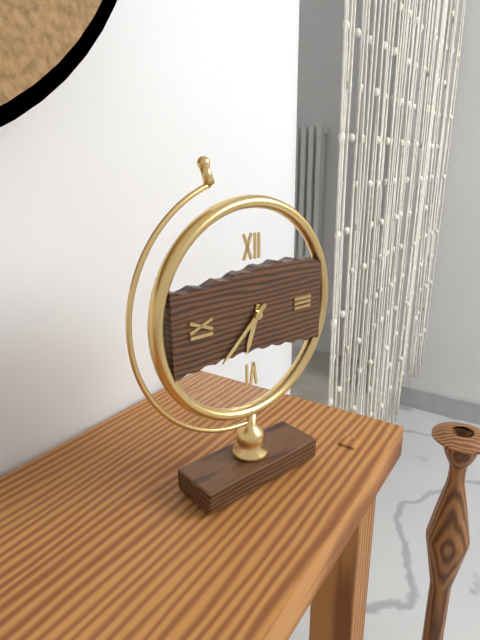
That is 6 h 38 min
